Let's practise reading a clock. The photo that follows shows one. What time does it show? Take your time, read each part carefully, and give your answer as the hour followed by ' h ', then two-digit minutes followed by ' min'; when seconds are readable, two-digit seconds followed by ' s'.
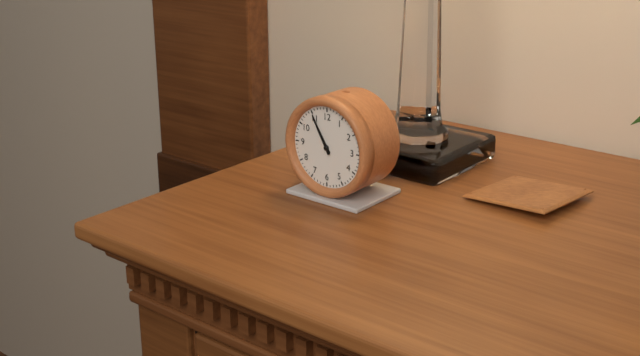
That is 10 h 55 min
